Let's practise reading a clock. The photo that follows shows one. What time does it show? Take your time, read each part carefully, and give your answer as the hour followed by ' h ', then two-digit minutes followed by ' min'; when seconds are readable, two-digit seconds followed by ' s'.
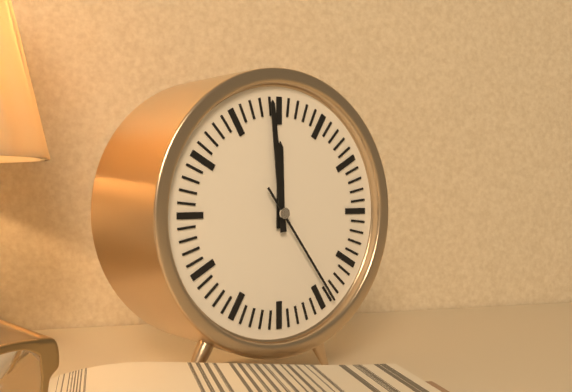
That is 11 h 59 min 24 s
